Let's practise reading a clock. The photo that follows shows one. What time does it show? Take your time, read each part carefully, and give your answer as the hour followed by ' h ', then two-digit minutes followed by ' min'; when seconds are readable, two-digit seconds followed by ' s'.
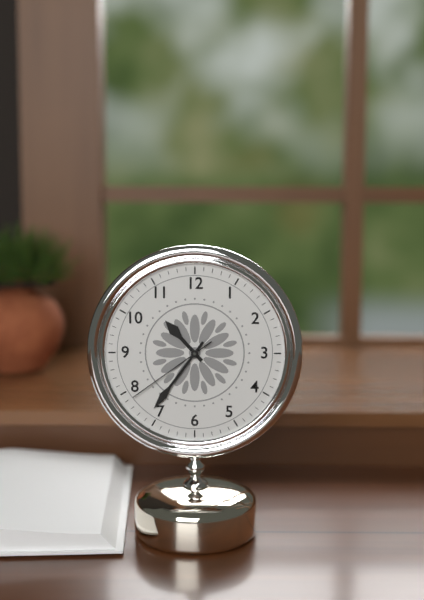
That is 10 h 36 min 39 s
